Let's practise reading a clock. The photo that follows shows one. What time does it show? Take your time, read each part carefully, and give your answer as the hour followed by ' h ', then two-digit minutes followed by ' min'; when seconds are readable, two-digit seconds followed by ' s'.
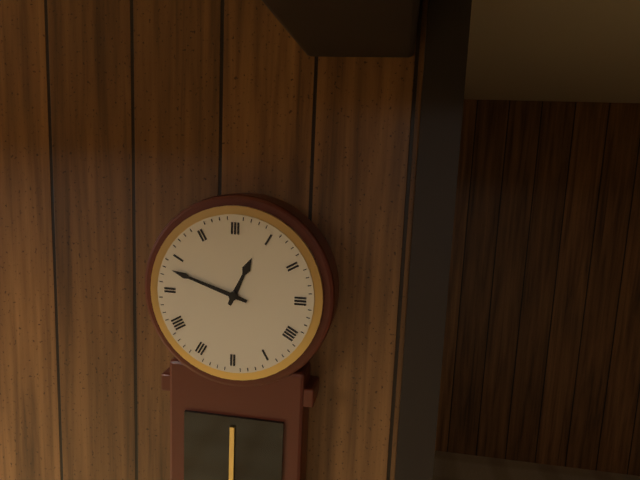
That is 12 h 48 min
